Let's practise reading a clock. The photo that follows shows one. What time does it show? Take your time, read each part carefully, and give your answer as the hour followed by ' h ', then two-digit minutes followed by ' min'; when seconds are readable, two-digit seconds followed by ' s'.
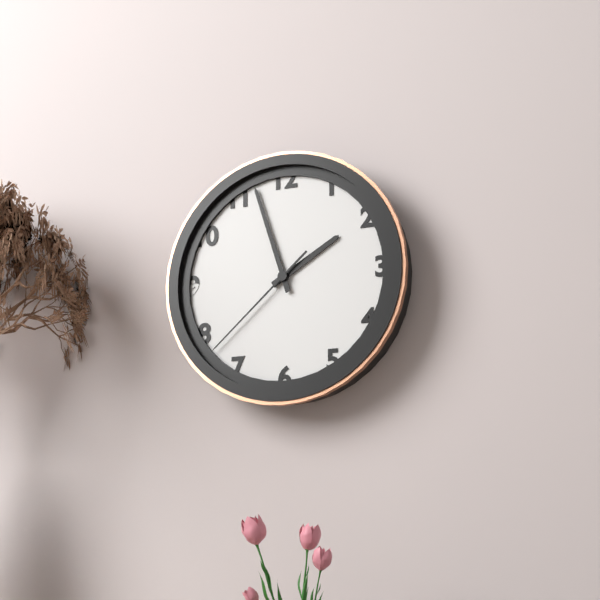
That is 1 h 57 min 38 s
